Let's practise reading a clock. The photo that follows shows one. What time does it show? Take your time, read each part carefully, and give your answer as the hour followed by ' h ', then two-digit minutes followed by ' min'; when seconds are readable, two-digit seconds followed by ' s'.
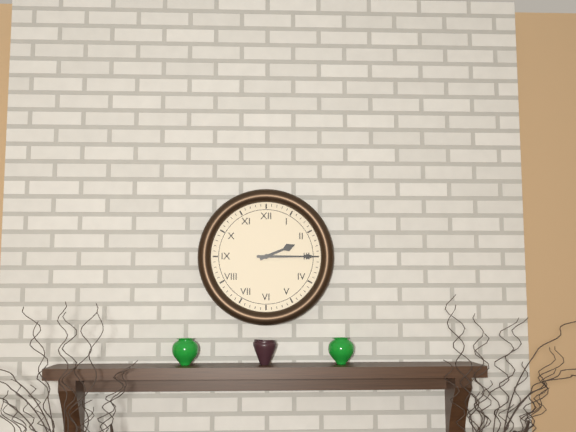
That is 2 h 15 min
